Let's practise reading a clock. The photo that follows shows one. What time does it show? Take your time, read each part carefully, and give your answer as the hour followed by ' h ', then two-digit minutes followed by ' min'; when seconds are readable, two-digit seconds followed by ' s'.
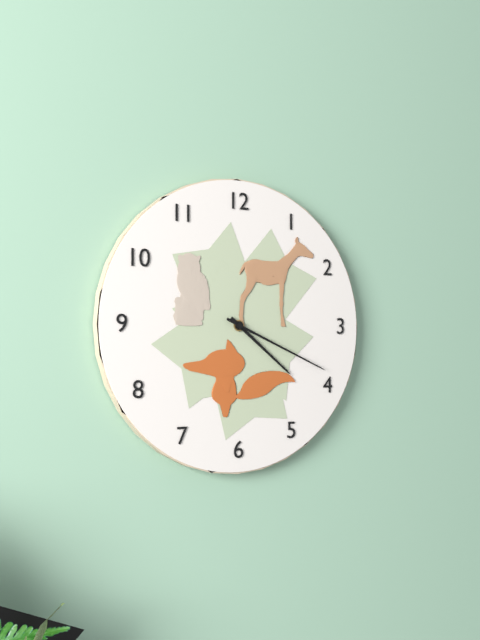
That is 4 h 19 min
